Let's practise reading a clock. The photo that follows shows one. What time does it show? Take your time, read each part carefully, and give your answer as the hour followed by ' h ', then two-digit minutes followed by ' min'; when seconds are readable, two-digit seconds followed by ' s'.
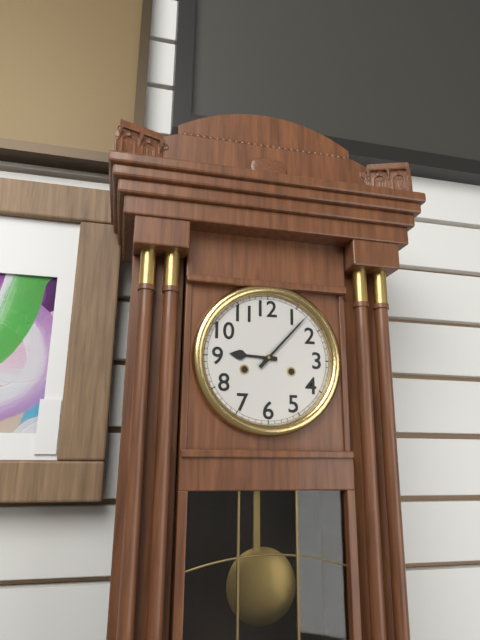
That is 9 h 07 min
